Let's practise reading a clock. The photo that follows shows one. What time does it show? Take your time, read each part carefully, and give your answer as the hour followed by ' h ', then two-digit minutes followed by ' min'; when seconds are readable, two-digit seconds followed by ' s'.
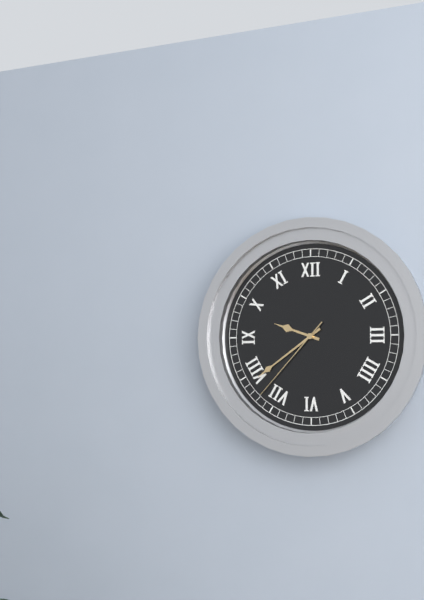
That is 9 h 39 min 37 s
